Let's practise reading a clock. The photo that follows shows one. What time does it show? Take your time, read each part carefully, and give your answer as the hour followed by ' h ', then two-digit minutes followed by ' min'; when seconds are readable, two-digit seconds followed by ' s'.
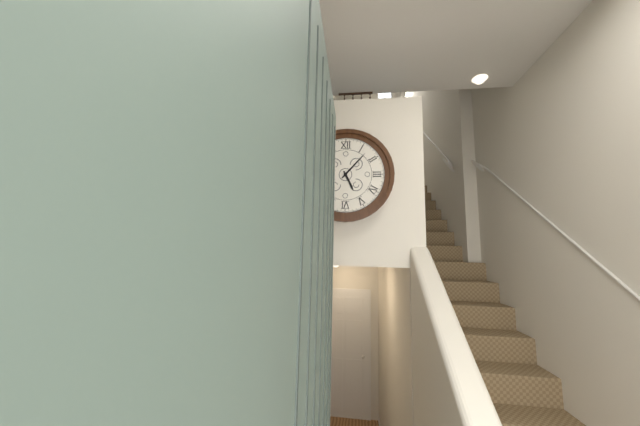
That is 5 h 07 min
